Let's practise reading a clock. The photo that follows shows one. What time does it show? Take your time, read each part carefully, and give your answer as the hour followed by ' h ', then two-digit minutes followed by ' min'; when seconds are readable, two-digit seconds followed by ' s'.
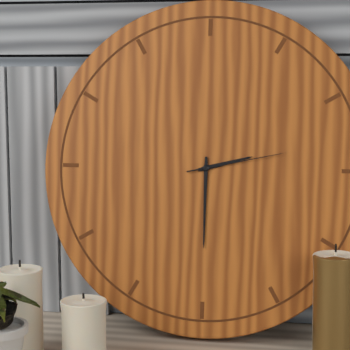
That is 2 h 30 min 13 s
